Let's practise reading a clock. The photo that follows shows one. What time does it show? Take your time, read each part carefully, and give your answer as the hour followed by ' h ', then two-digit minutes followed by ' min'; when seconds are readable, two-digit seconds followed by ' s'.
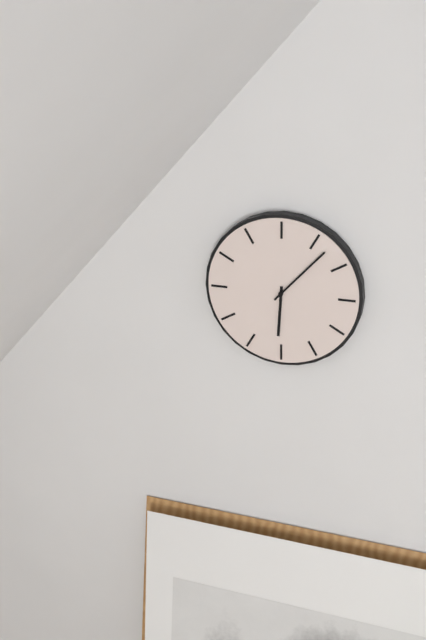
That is 6 h 07 min
